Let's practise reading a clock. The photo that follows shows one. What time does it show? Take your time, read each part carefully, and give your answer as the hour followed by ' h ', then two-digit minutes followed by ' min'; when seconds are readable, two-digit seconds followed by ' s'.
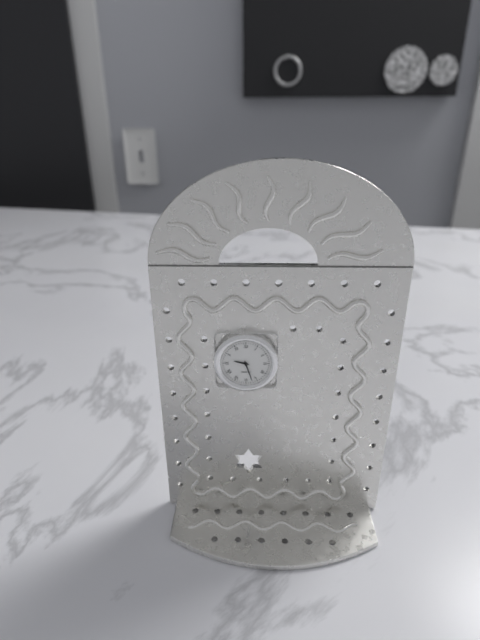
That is 9 h 27 min
